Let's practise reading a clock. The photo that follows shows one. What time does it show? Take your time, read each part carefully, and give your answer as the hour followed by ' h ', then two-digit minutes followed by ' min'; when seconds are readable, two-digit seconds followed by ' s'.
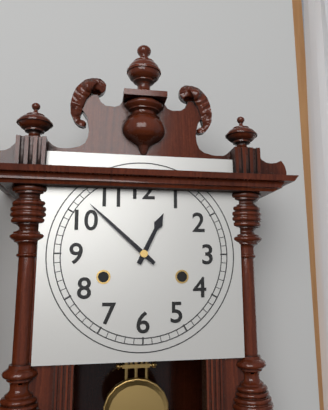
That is 12 h 52 min
